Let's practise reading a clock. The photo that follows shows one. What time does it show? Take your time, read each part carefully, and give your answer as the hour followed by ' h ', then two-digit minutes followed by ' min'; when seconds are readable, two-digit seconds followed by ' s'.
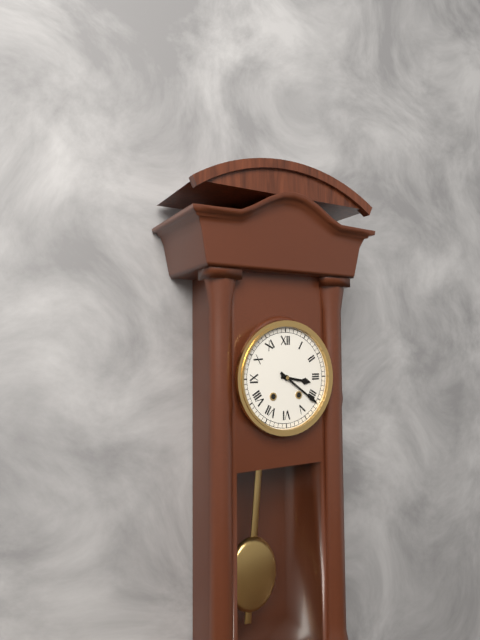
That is 3 h 21 min
